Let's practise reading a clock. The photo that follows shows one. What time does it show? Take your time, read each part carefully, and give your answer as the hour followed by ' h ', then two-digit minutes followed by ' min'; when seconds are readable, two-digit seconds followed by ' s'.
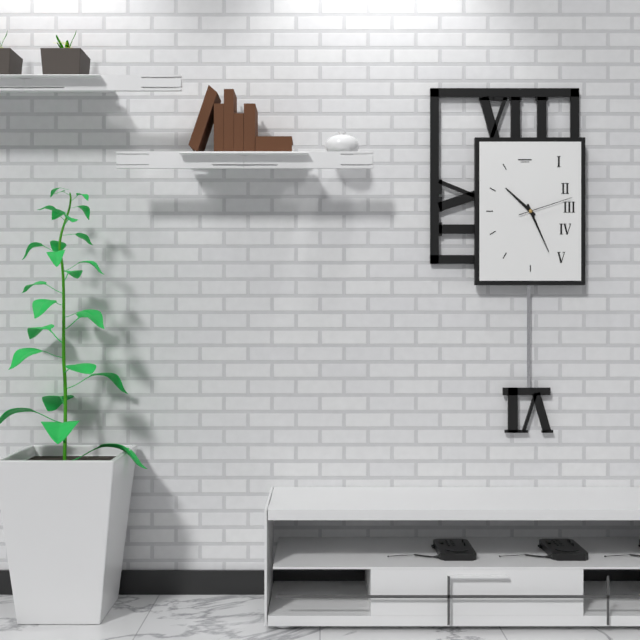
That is 10 h 26 min 12 s
